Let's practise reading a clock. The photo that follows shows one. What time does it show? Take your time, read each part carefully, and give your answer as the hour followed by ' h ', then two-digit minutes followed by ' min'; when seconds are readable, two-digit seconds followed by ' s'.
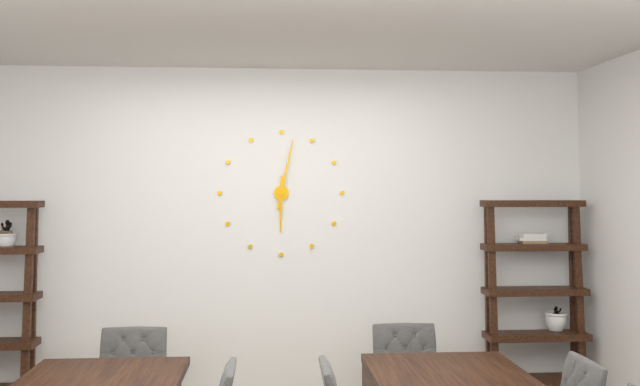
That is 6 h 02 min
